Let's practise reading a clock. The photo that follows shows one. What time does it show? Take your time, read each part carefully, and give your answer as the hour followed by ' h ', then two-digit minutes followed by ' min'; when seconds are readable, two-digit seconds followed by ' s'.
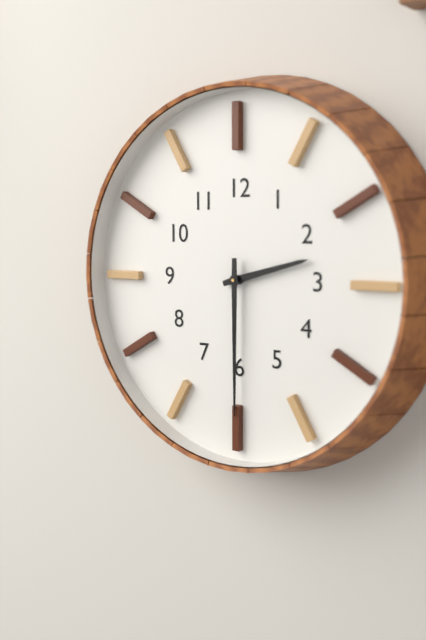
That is 2 h 30 min
